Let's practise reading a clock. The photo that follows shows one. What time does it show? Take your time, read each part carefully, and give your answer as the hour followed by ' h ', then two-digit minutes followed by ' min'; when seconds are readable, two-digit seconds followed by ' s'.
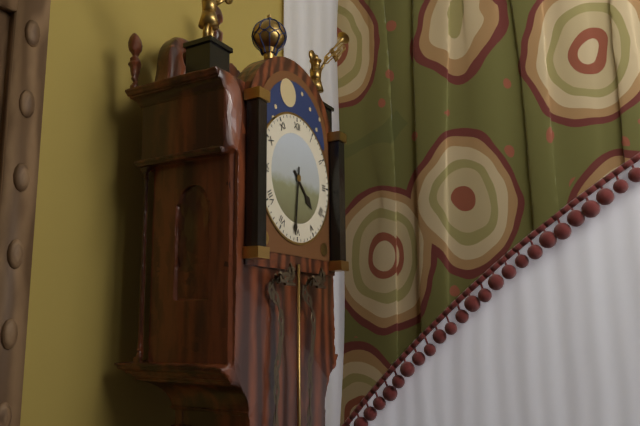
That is 4 h 31 min
